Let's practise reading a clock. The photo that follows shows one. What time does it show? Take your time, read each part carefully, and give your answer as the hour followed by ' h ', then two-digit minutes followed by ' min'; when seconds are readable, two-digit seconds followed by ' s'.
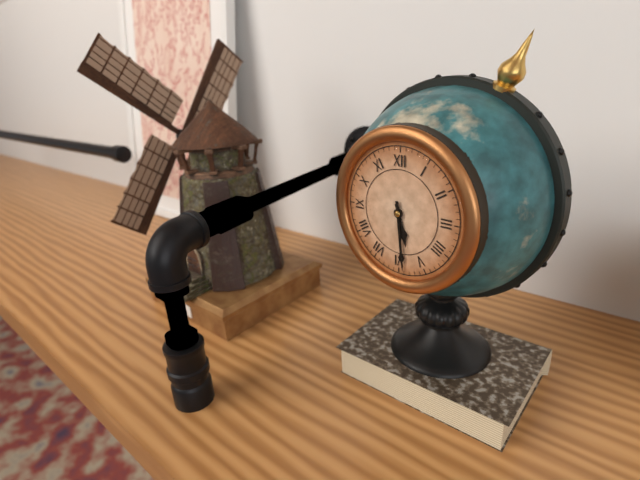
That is 5 h 29 min
